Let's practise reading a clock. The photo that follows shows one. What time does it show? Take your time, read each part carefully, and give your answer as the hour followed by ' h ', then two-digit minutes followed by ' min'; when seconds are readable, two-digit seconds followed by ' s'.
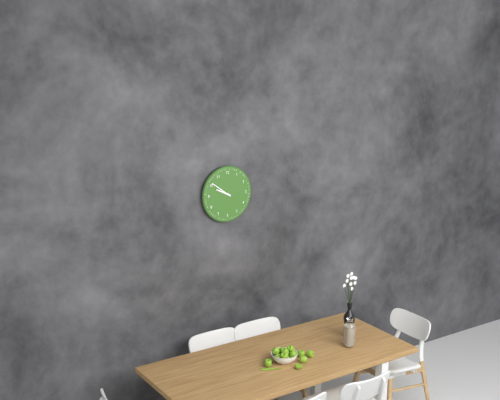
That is 9 h 51 min
